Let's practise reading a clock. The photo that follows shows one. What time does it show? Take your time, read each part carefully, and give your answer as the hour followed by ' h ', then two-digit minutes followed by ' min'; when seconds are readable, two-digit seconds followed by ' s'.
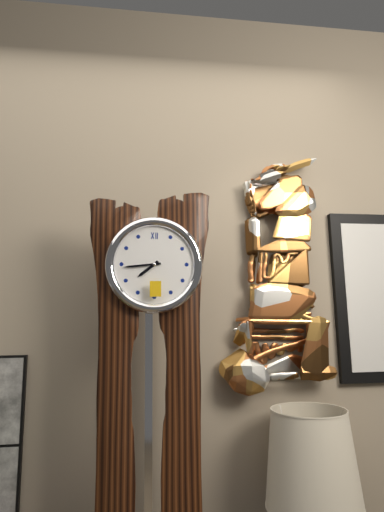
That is 7 h 44 min
